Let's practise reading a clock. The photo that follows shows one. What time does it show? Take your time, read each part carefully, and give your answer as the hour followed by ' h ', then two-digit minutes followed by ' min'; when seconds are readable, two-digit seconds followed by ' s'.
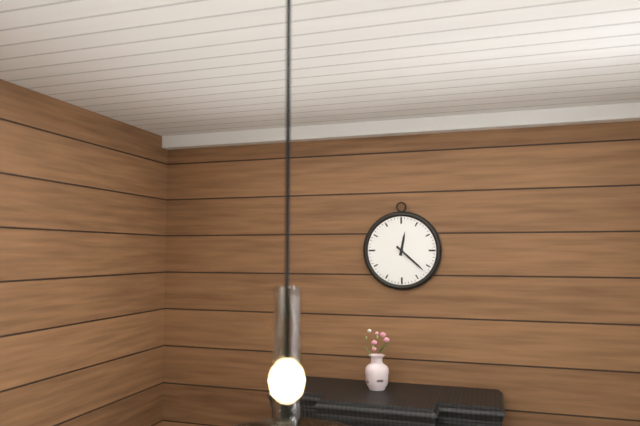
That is 12 h 22 min
